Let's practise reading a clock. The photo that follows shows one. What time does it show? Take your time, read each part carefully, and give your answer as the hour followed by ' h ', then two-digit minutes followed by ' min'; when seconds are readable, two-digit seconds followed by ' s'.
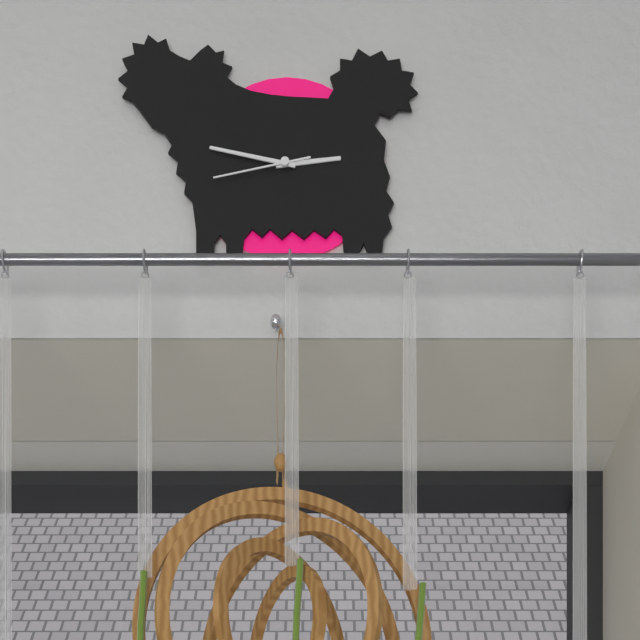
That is 2 h 47 min 43 s
